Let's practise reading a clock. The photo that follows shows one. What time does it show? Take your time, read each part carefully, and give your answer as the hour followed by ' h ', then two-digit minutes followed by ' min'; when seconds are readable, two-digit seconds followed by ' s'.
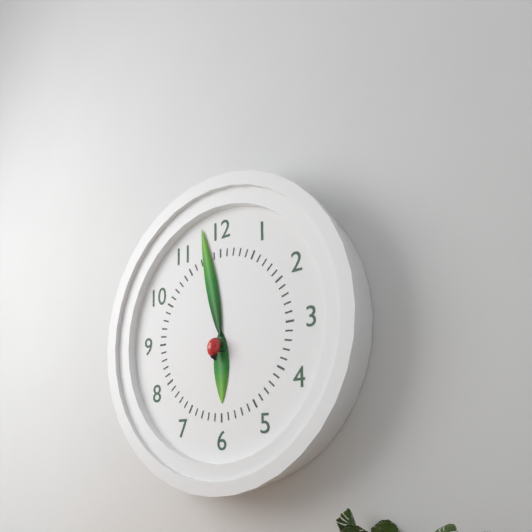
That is 5 h 58 min
